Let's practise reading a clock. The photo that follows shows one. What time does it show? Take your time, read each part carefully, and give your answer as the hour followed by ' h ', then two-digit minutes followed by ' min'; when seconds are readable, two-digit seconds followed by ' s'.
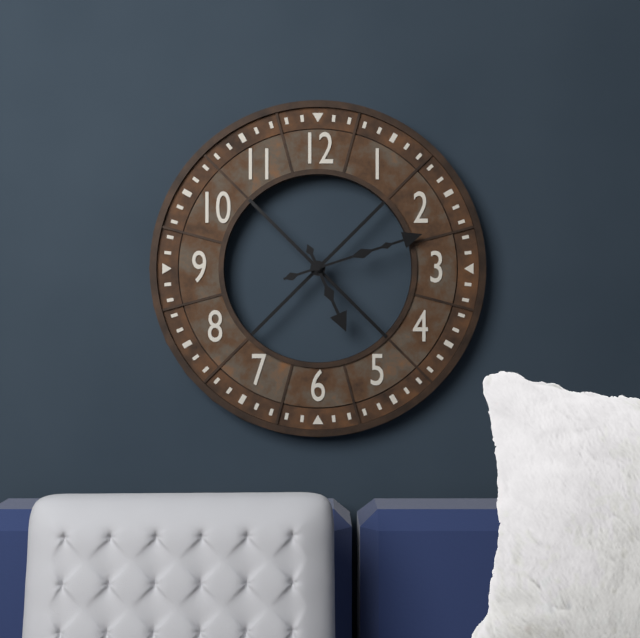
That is 5 h 12 min
